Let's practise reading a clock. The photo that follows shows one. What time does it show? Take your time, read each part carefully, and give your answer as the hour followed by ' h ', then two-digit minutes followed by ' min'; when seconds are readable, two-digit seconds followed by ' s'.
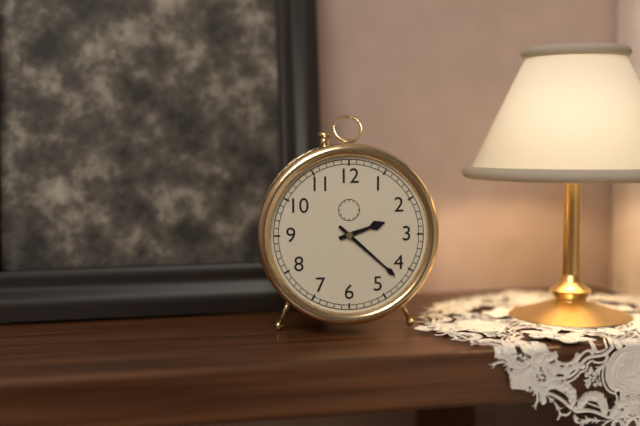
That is 2 h 22 min
